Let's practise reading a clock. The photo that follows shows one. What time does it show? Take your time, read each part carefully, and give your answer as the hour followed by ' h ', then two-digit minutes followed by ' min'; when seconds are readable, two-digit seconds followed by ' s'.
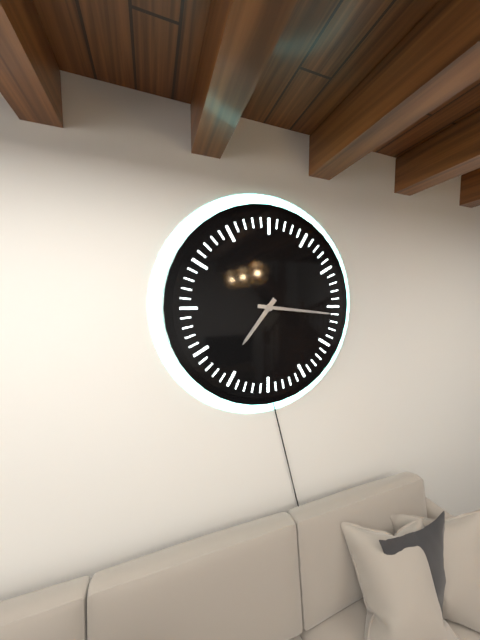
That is 7 h 16 min
